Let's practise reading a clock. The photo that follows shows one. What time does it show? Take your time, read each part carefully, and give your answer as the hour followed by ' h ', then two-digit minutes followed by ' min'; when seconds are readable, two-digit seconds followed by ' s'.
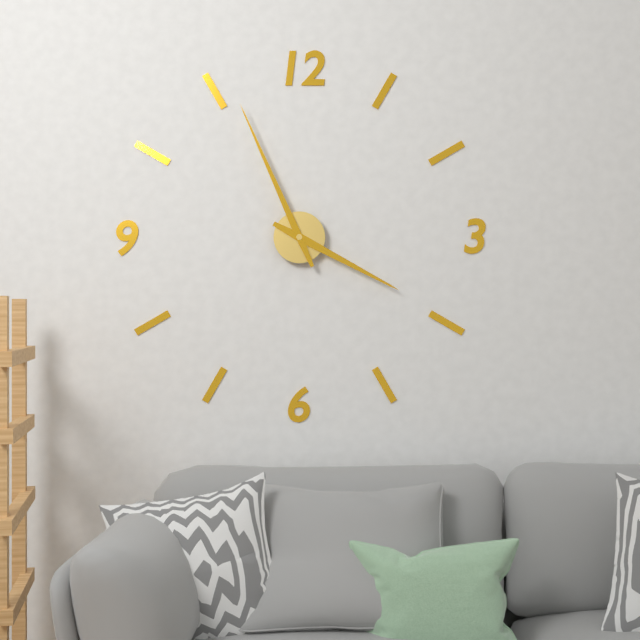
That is 3 h 56 min
